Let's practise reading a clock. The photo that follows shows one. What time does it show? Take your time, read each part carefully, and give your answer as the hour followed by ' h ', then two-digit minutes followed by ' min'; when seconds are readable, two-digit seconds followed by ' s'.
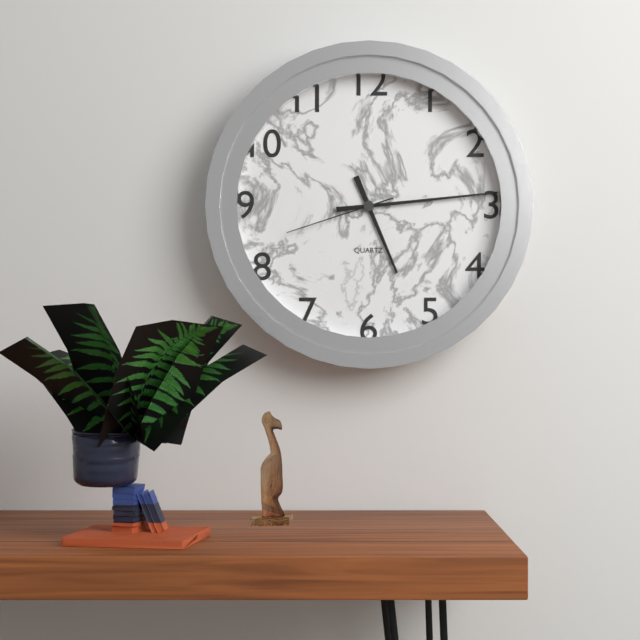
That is 5 h 14 min 42 s
